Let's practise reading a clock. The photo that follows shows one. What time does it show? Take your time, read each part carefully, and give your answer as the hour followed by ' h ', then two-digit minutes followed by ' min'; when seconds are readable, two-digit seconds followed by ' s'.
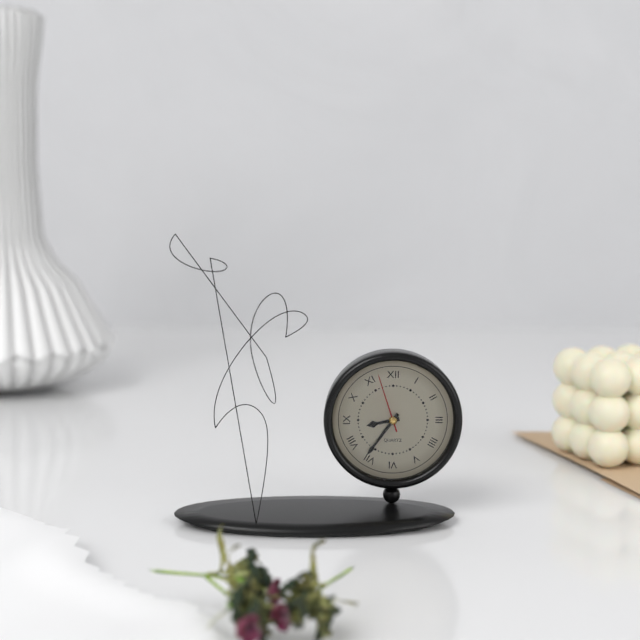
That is 8 h 36 min 57 s
